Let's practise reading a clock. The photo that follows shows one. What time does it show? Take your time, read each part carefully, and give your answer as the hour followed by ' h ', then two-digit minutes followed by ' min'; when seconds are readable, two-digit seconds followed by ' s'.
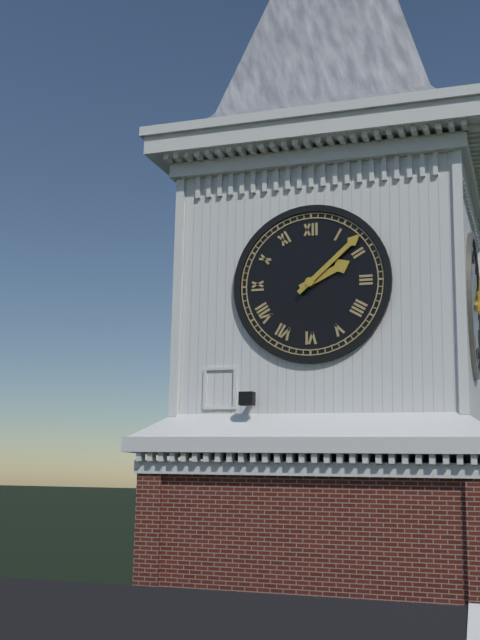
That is 2 h 08 min
